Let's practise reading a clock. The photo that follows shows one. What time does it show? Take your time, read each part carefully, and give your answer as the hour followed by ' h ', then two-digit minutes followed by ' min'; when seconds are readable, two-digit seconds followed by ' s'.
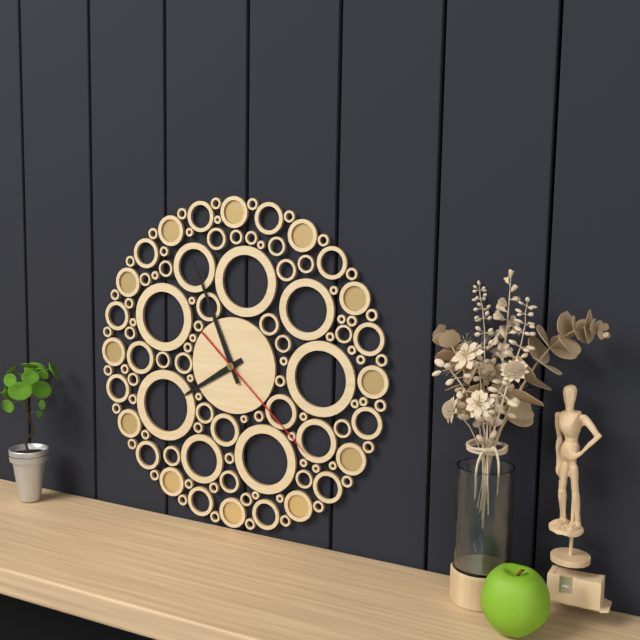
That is 7 h 56 min 22 s
